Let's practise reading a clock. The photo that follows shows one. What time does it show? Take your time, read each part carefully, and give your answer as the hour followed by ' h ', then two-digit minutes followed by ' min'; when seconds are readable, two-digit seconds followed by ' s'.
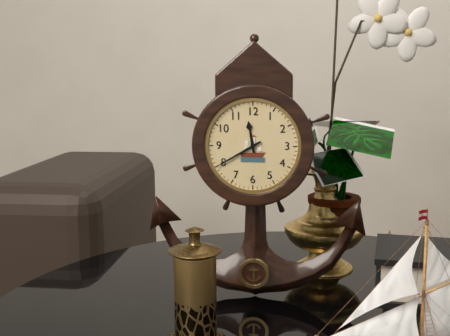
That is 11 h 40 min
